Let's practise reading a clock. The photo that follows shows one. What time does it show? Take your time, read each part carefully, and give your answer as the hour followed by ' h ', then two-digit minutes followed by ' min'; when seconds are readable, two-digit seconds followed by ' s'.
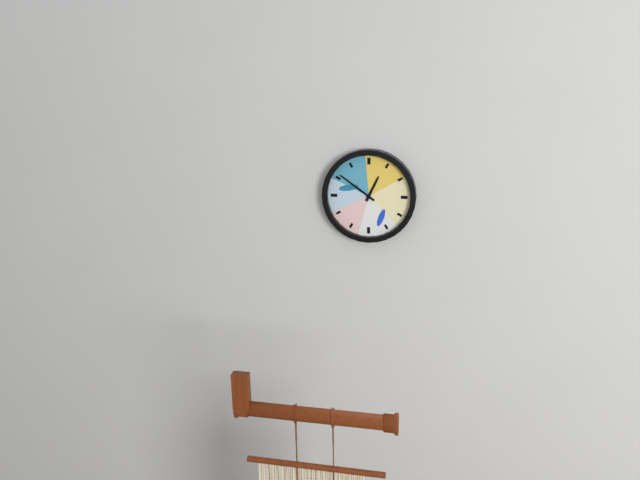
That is 12 h 51 min
